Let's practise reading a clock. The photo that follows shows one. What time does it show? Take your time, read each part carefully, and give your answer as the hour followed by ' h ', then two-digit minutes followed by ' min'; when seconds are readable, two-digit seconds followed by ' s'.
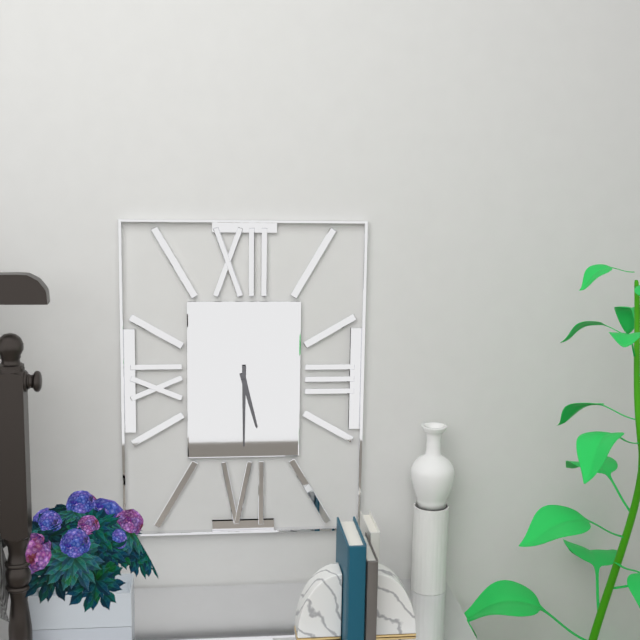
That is 5 h 30 min
